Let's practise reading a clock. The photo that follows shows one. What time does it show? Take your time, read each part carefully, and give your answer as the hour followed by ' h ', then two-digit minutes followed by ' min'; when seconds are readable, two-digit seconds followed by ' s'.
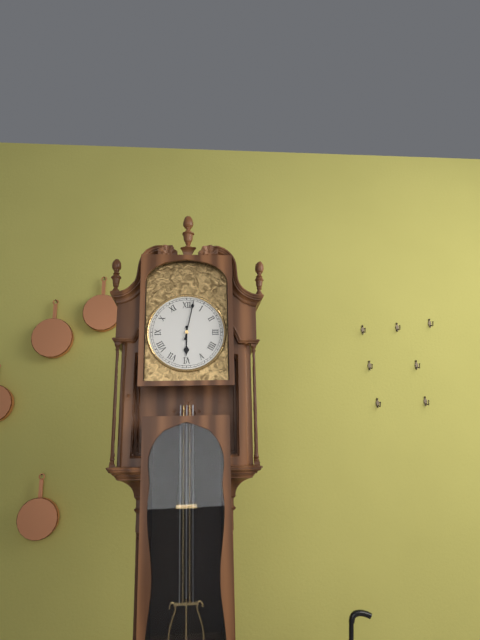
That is 6 h 02 min
